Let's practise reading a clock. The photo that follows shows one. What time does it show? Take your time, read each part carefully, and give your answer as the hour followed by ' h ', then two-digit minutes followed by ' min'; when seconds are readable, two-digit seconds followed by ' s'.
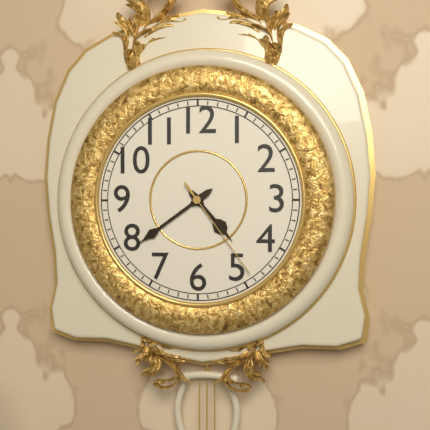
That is 4 h 39 min 24 s
